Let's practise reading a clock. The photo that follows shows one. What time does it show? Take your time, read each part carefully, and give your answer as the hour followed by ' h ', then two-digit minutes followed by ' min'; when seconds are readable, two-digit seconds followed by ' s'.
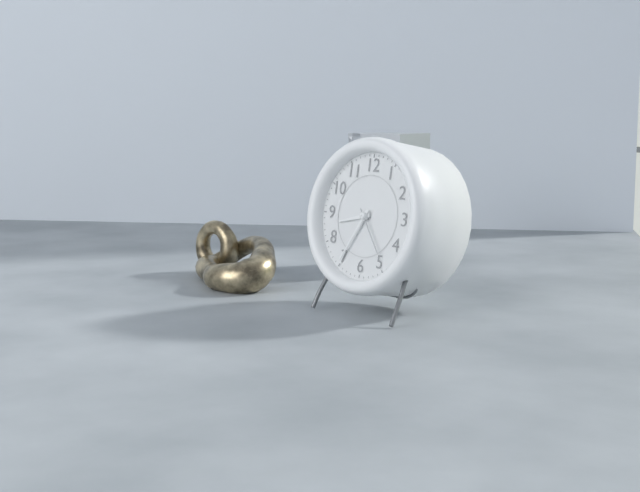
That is 8 h 35 min 24 s
